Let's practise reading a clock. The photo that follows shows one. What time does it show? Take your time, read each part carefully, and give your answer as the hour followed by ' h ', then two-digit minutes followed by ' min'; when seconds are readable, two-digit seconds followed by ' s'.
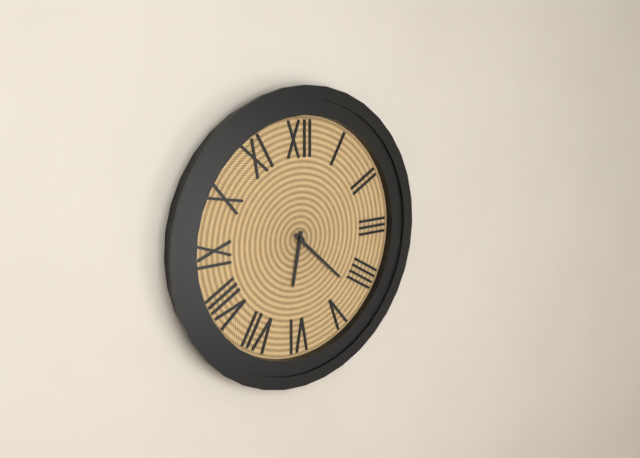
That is 6 h 22 min
